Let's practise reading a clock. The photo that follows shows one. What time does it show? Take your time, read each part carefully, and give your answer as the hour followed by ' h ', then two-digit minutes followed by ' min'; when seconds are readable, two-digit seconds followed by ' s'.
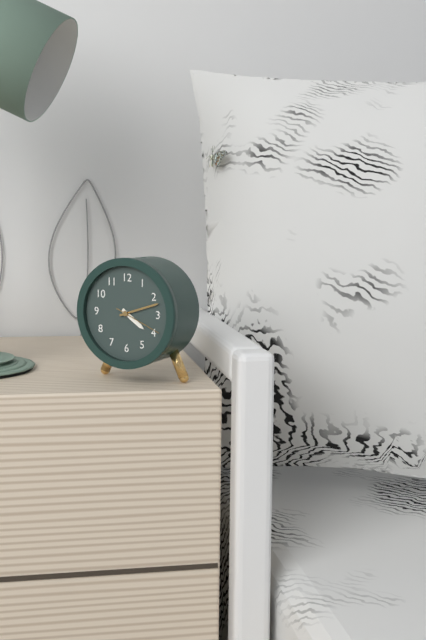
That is 4 h 12 min
